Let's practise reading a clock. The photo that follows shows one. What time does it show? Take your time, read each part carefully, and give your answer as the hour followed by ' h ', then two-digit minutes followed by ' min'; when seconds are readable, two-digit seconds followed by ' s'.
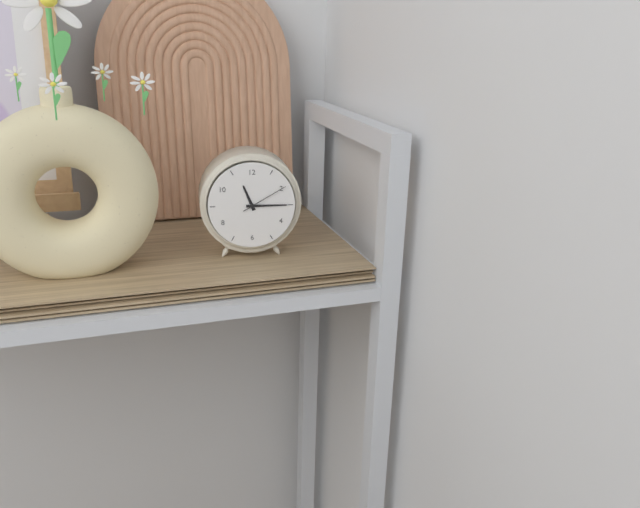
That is 11 h 15 min
